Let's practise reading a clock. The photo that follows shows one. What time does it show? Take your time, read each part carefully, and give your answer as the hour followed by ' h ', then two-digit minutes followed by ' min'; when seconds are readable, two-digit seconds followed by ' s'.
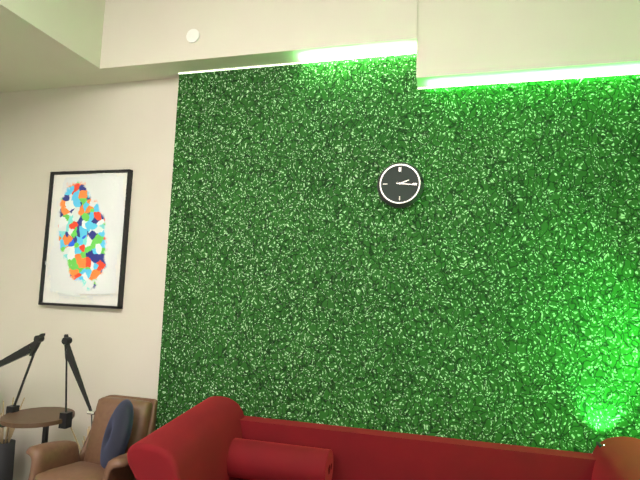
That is 2 h 16 min
